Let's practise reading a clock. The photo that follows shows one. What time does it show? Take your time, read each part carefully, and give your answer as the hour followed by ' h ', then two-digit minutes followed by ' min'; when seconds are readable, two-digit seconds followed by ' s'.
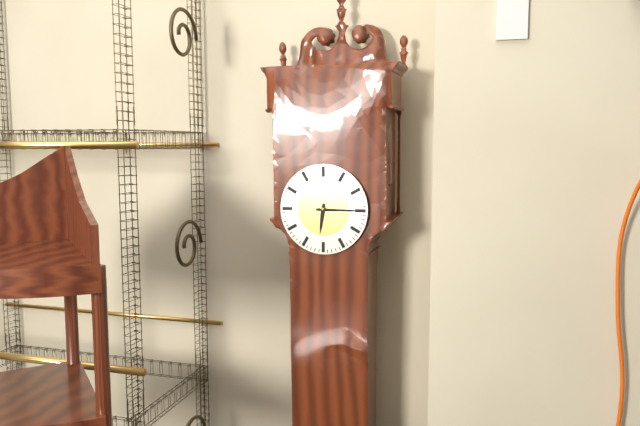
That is 6 h 15 min
